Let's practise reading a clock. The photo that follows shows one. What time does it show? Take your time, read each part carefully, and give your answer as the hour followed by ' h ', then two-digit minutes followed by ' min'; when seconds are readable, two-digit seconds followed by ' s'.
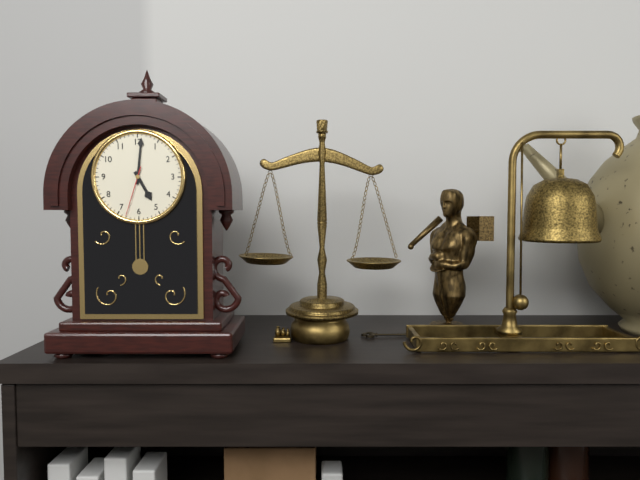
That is 5 h 01 min 33 s
